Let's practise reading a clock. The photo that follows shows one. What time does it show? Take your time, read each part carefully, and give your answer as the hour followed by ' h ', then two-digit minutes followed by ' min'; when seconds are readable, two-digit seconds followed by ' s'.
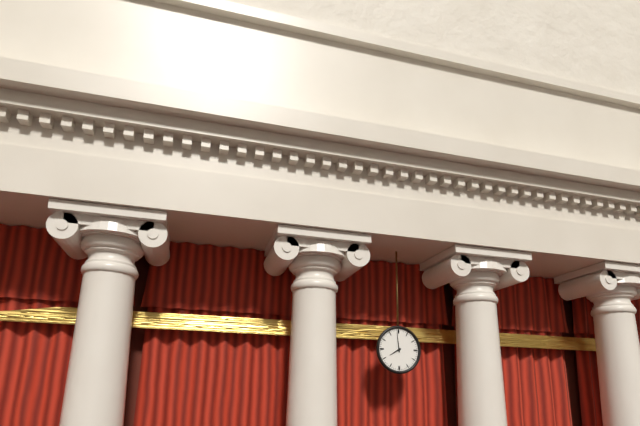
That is 7 h 59 min
